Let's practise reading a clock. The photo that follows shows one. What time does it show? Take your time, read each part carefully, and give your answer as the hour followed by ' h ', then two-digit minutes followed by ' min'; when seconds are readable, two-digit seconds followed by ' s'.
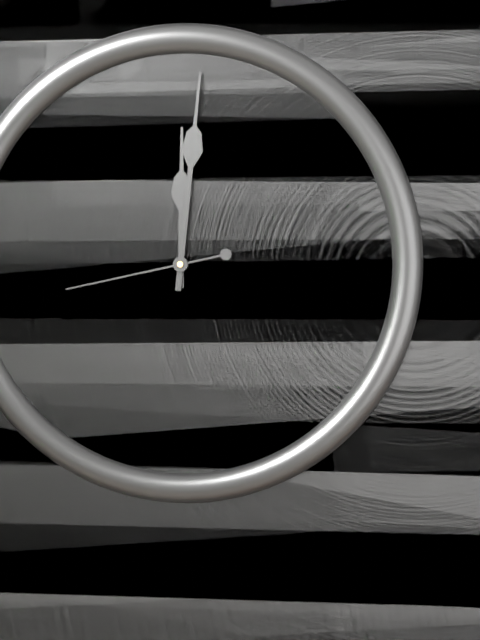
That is 12 h 01 min 43 s
